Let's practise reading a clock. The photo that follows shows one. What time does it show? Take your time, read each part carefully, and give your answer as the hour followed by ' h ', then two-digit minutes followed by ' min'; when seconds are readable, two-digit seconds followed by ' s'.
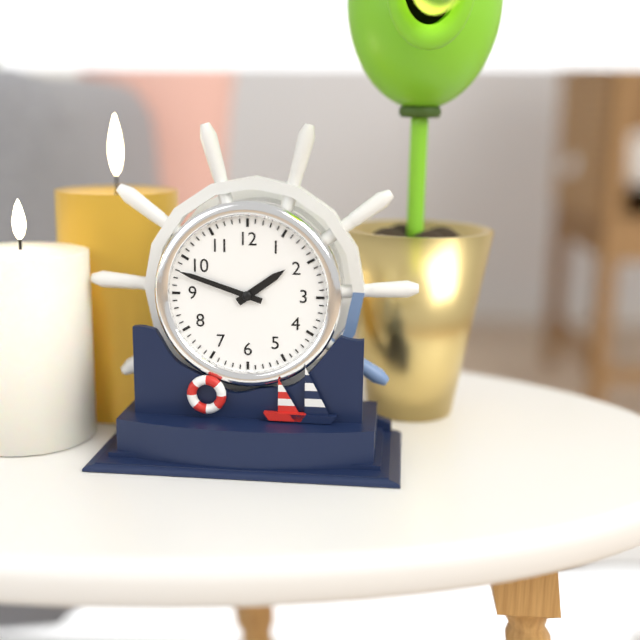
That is 1 h 48 min
